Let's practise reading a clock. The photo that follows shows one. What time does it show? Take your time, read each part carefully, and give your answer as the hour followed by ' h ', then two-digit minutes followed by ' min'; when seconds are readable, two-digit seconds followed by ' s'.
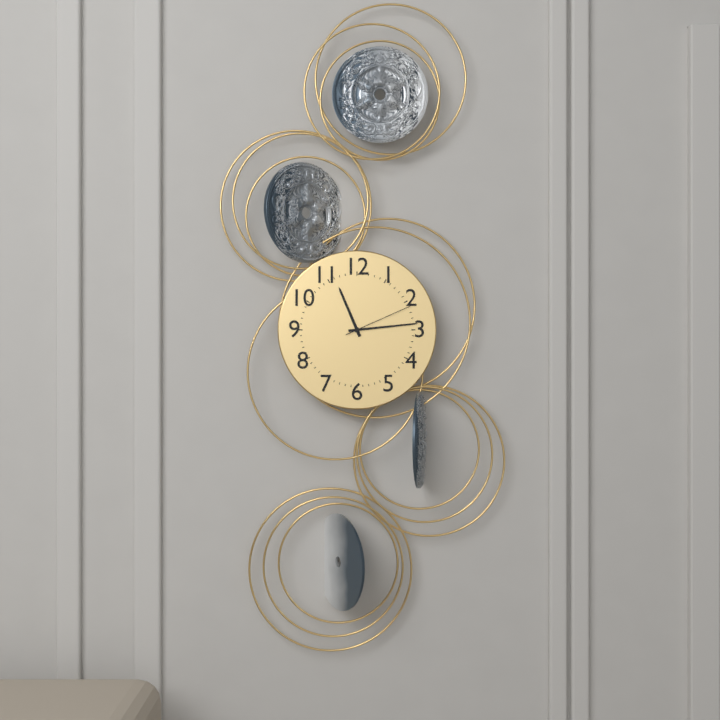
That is 11 h 14 min 11 s
